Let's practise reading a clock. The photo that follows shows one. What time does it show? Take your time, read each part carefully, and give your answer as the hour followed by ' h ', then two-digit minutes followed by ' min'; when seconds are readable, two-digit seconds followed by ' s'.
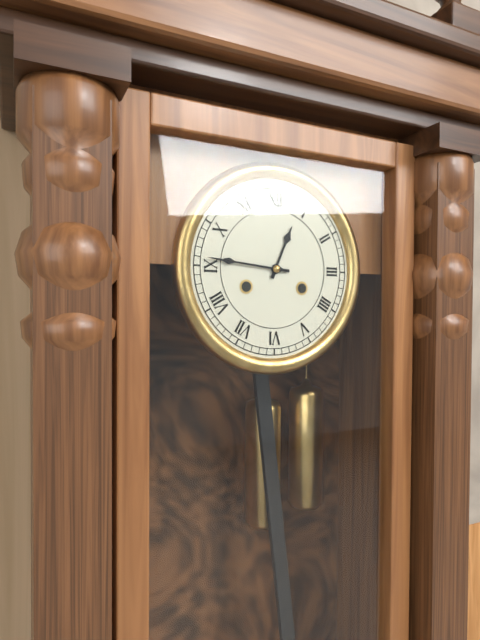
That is 12 h 46 min
